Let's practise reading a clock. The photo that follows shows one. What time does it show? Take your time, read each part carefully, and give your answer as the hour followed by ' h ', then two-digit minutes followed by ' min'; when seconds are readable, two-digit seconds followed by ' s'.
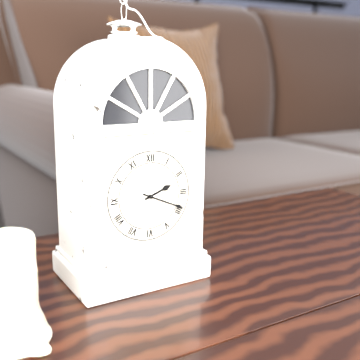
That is 2 h 19 min
